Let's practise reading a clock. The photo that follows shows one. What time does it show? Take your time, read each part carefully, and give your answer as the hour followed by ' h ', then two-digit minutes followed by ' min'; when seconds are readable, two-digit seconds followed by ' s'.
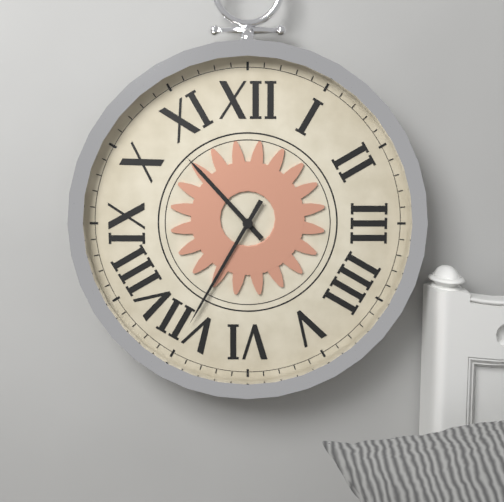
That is 10 h 35 min
